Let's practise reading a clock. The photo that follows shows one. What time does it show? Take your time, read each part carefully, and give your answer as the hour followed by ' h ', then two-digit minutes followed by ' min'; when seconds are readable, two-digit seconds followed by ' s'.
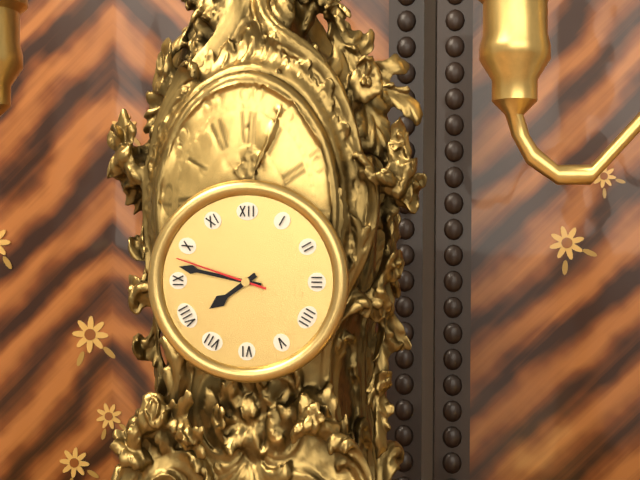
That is 7 h 47 min 48 s
